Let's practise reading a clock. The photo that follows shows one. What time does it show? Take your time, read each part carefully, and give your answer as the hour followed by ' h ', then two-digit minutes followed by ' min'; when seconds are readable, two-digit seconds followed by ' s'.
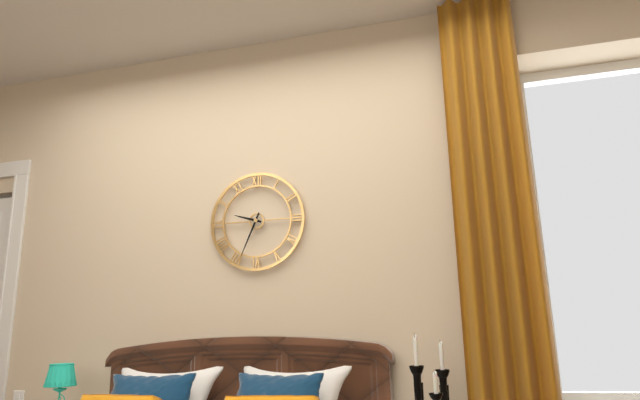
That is 9 h 34 min
